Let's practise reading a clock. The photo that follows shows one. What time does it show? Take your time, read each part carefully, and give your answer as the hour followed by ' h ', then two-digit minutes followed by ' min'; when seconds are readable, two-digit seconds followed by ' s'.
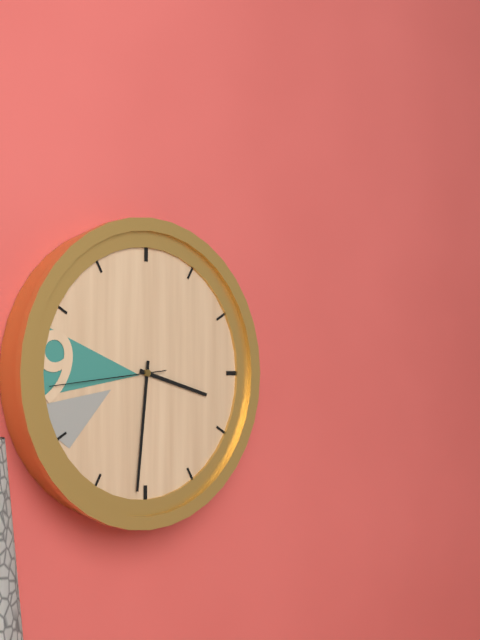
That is 3 h 31 min 44 s
